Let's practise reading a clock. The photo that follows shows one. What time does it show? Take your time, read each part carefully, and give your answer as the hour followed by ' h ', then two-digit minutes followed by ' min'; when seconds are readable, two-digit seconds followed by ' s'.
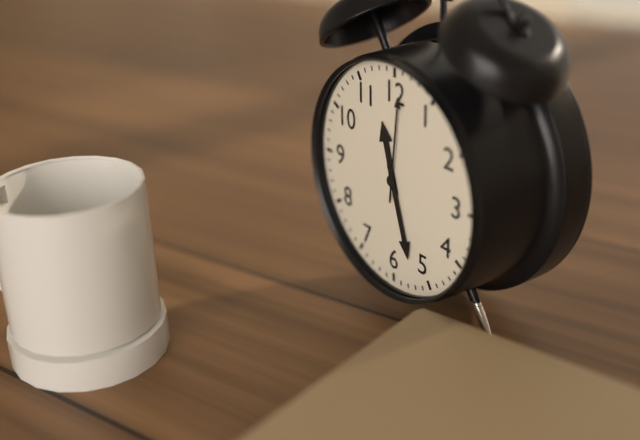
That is 11 h 27 min 01 s
